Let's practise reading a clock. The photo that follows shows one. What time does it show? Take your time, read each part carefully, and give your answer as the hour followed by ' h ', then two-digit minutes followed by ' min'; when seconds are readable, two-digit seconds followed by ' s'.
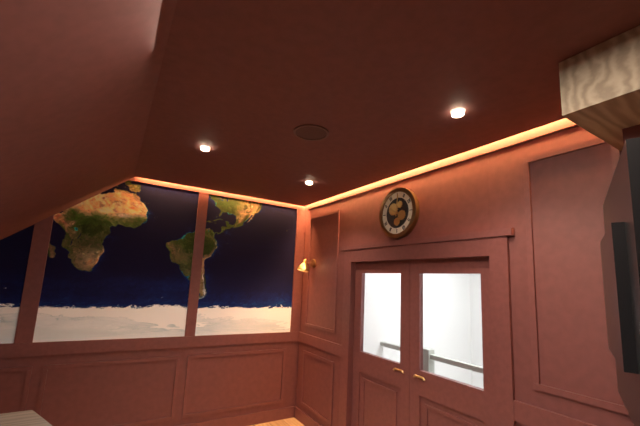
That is 10 h 01 min
